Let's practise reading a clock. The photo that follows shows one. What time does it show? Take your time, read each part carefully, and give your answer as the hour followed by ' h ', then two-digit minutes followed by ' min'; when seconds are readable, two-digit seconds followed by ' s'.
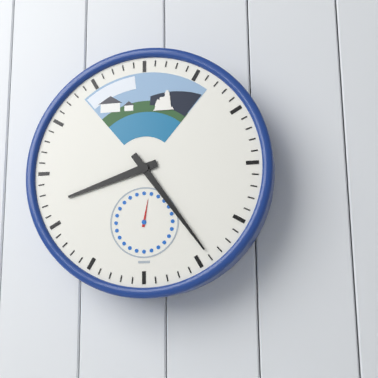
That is 8 h 24 min
